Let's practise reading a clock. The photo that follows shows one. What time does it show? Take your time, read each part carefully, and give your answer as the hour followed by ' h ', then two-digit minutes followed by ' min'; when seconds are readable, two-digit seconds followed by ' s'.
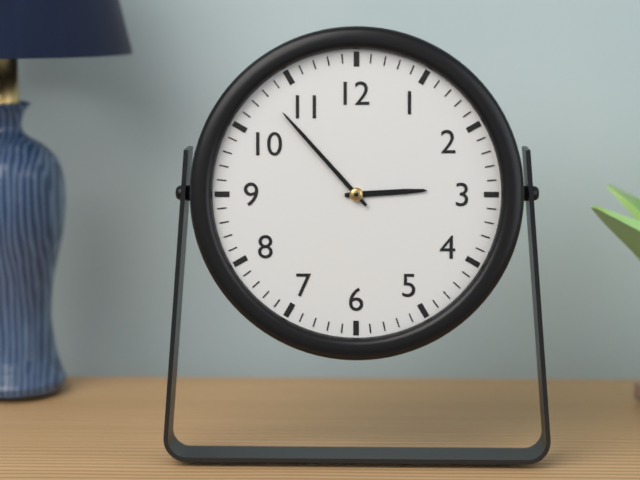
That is 2 h 53 min
